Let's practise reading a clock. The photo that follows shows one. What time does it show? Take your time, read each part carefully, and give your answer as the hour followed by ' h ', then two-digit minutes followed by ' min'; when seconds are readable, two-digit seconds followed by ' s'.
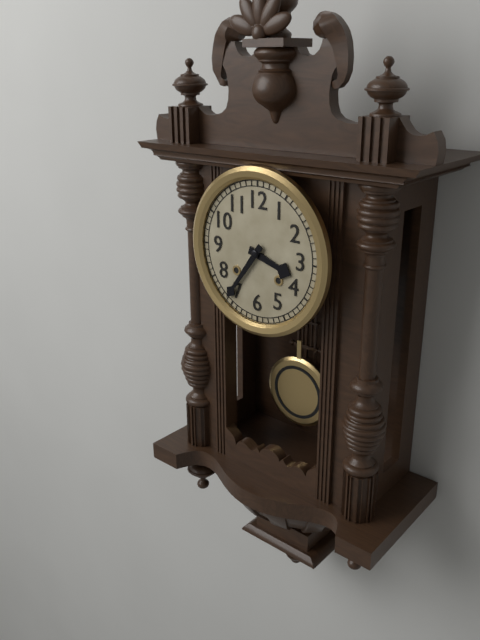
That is 3 h 36 min
